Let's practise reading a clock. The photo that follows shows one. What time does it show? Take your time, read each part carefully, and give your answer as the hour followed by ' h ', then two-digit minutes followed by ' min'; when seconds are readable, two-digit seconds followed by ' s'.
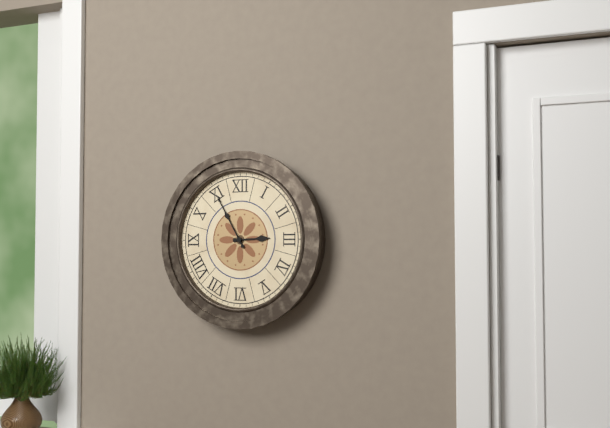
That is 2 h 55 min
